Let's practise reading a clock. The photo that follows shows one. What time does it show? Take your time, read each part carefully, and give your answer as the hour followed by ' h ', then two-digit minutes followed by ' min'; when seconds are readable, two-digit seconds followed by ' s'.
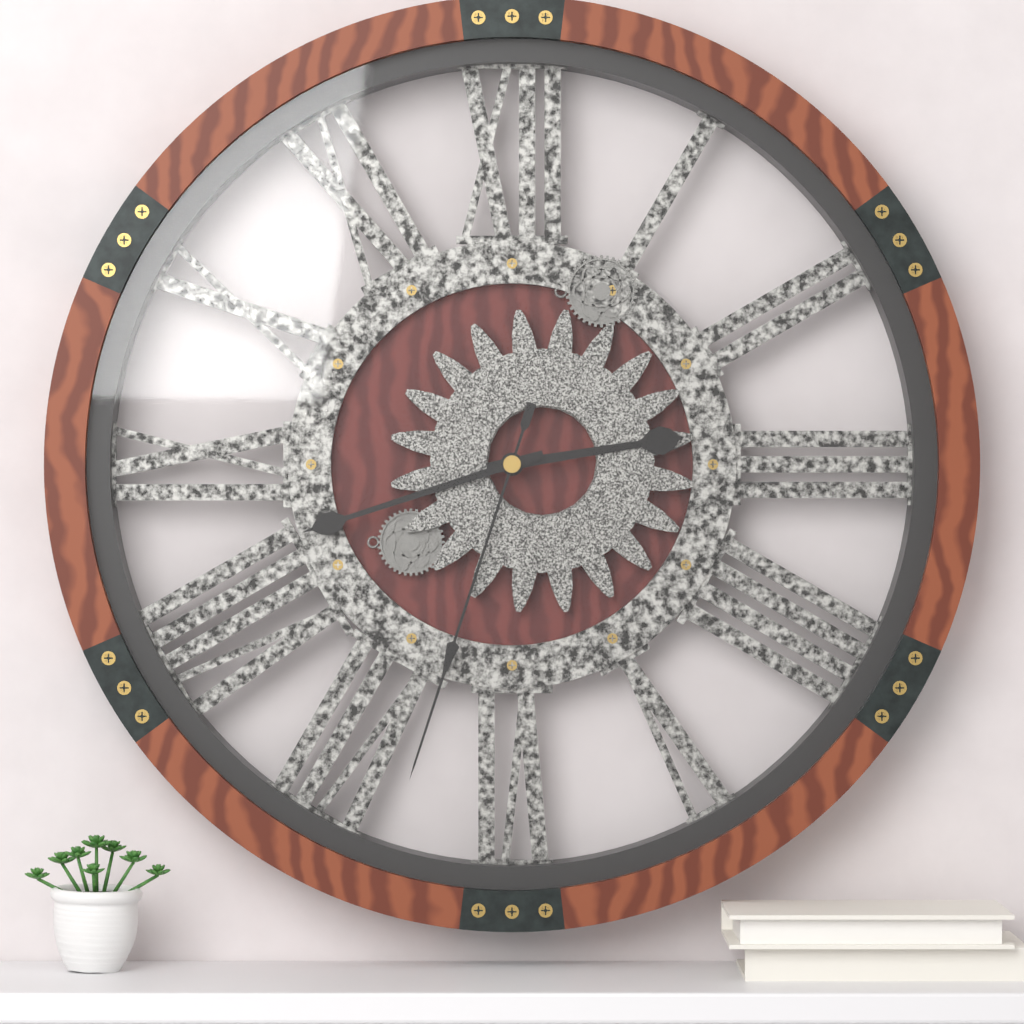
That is 2 h 42 min 33 s
